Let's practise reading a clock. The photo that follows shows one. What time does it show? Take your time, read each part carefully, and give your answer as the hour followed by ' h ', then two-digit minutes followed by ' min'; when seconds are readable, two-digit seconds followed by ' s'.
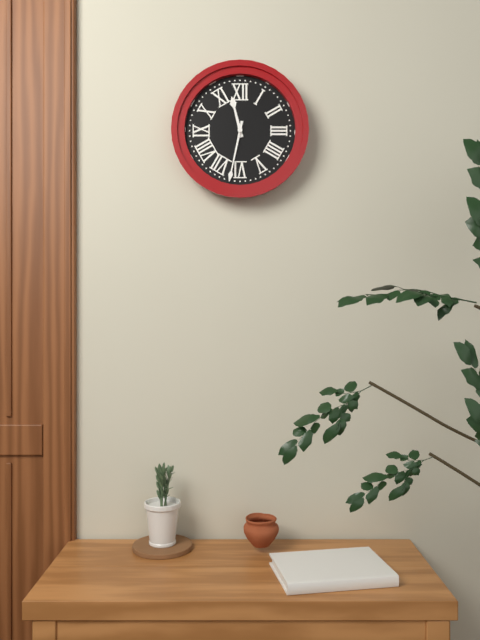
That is 11 h 32 min
